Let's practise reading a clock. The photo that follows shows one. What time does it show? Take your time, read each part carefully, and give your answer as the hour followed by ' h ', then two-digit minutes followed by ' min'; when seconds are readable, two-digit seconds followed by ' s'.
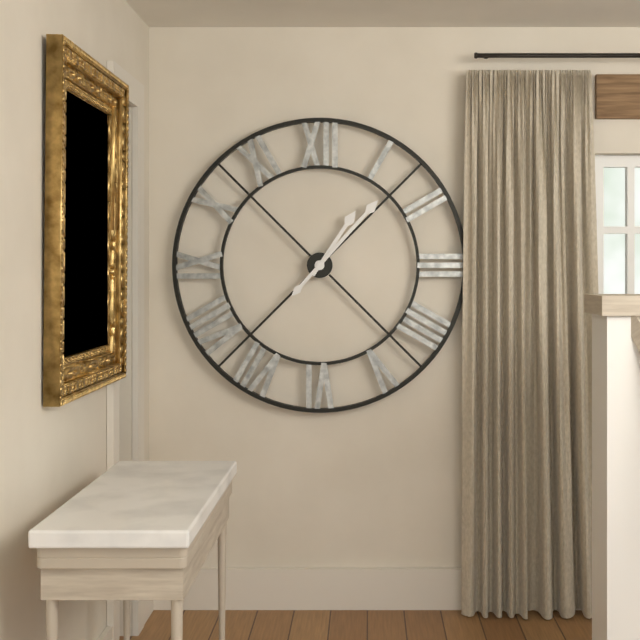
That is 1 h 07 min
